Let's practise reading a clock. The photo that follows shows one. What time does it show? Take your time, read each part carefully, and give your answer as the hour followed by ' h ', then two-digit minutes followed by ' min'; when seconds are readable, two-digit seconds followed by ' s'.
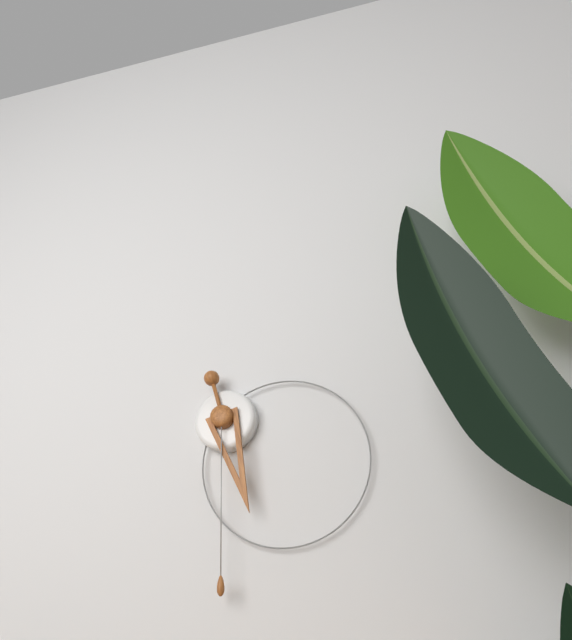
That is 5 h 30 min
